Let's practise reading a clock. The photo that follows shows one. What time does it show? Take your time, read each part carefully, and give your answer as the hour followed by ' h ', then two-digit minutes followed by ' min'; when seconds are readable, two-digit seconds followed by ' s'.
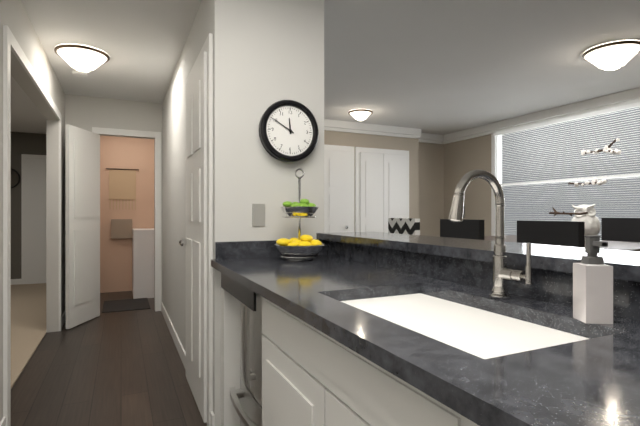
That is 11 h 50 min
